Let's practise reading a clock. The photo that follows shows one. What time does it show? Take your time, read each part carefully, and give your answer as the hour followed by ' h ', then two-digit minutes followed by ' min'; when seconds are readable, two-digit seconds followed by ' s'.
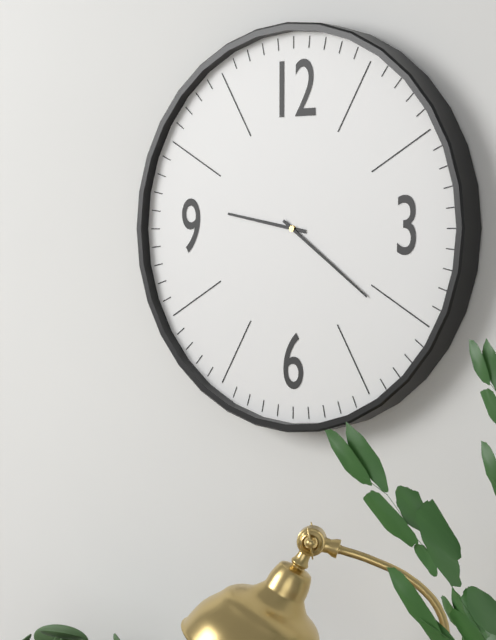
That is 9 h 21 min
